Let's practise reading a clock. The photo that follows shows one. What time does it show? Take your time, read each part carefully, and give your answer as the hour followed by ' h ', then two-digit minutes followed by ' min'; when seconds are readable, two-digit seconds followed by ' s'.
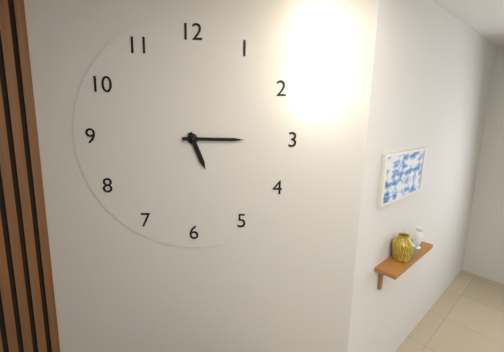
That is 5 h 15 min
